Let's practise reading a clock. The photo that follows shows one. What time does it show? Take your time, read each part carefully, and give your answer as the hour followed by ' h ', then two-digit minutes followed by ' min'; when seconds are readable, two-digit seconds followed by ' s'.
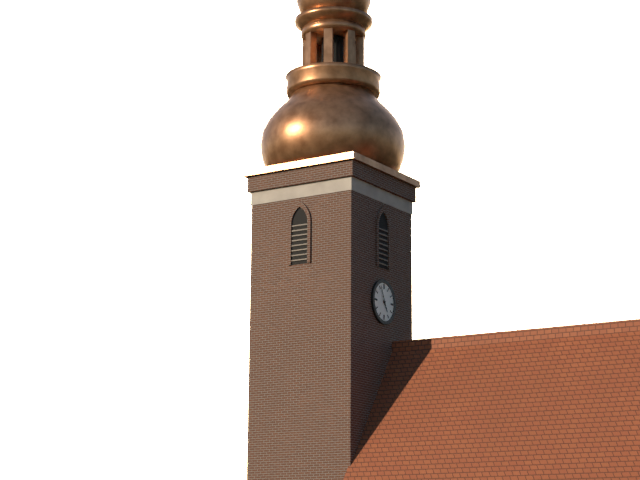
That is 4 h 56 min
